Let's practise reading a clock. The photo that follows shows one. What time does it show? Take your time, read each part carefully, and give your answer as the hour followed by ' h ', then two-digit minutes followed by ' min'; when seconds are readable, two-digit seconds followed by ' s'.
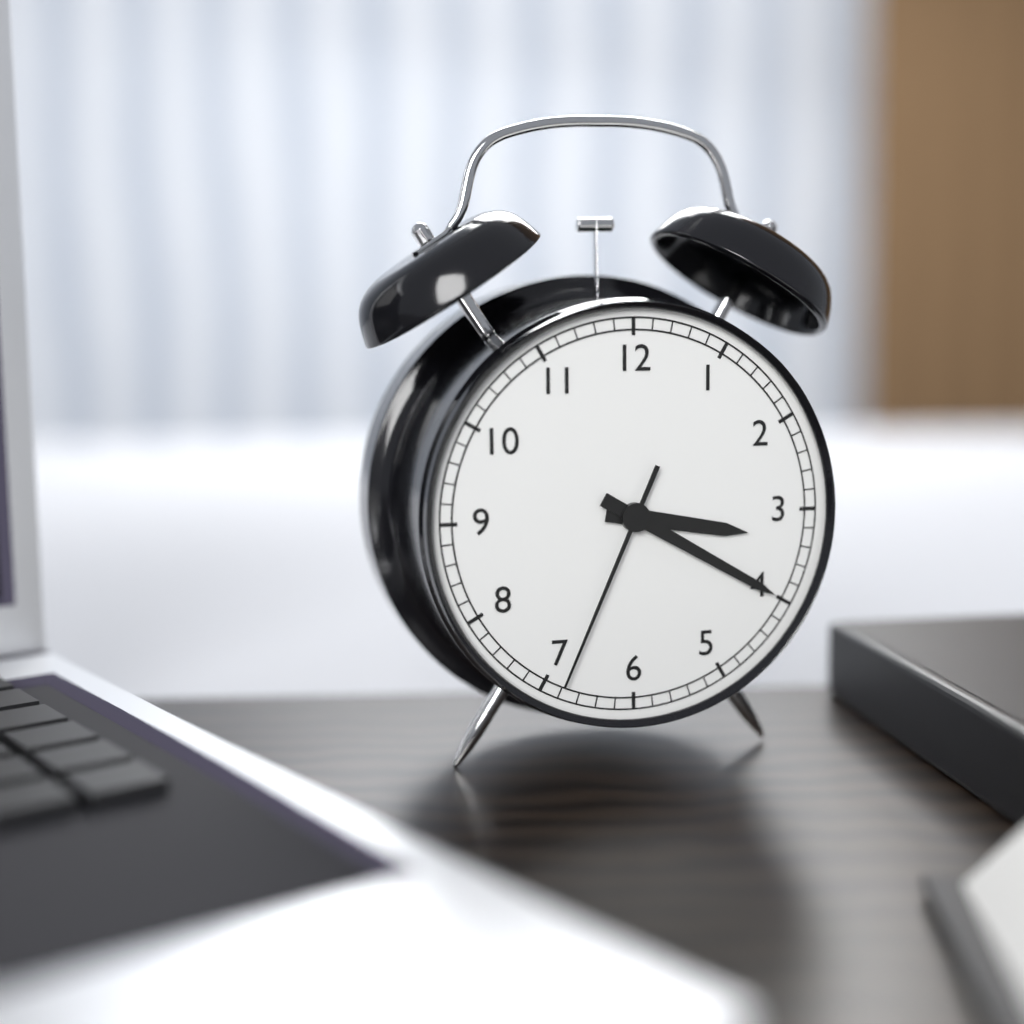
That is 3 h 20 min 34 s
